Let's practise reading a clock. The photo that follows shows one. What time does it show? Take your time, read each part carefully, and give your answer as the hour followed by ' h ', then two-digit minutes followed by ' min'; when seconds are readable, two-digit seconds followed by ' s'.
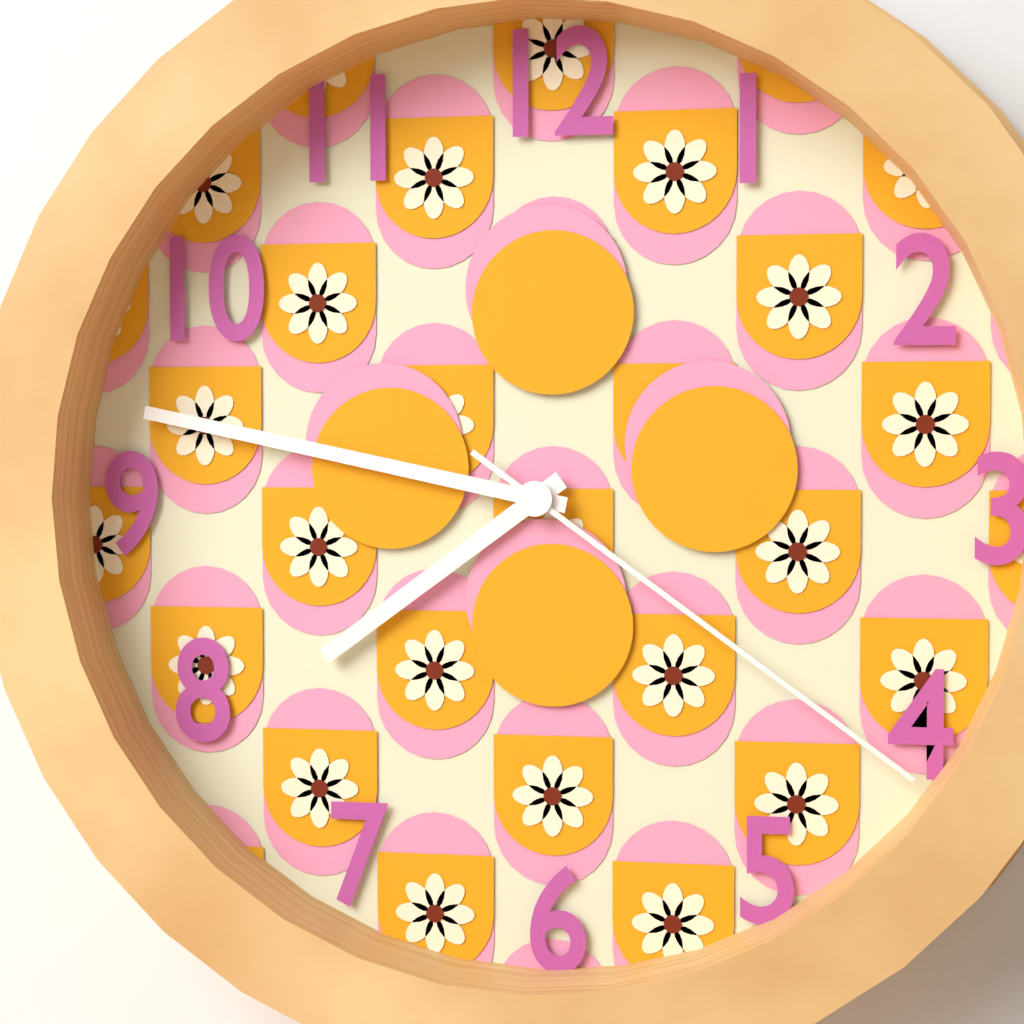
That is 7 h 47 min 21 s
